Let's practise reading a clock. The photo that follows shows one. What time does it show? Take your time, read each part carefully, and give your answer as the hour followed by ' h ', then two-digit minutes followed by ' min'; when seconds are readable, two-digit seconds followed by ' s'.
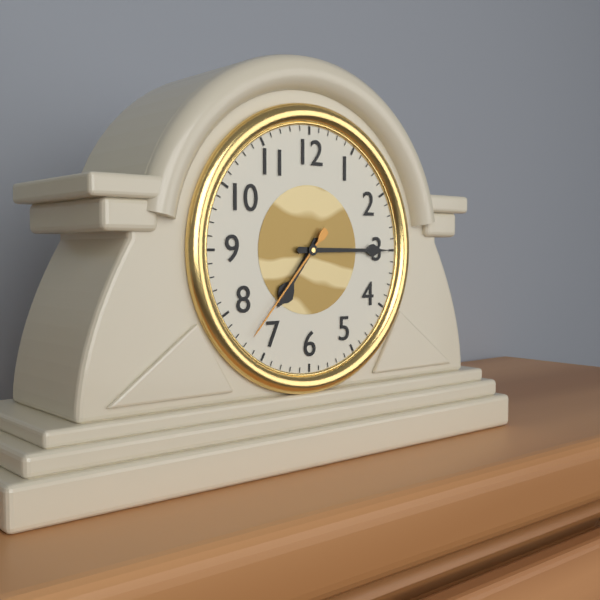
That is 7 h 15 min 37 s
